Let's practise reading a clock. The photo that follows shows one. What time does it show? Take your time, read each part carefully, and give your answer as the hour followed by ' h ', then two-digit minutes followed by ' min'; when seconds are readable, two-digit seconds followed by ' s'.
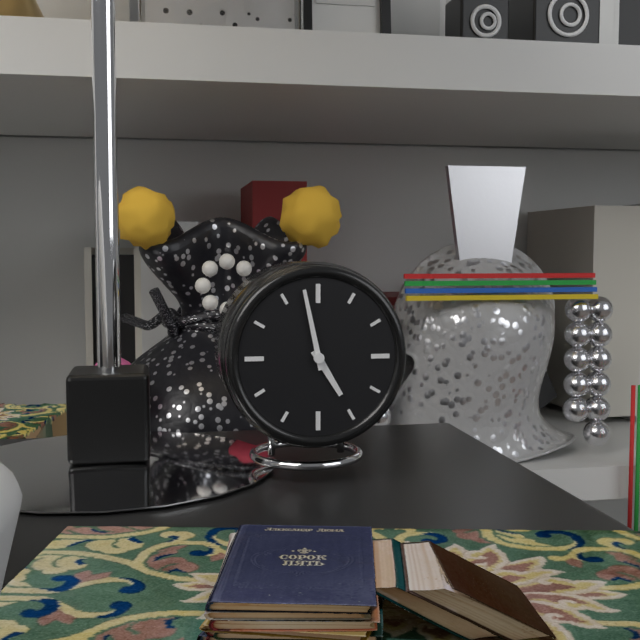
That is 4 h 58 min
